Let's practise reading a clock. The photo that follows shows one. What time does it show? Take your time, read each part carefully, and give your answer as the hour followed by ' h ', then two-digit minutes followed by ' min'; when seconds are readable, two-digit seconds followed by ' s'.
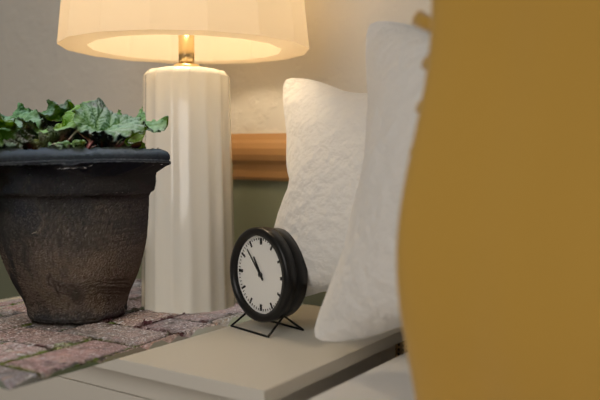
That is 10 h 53 min
